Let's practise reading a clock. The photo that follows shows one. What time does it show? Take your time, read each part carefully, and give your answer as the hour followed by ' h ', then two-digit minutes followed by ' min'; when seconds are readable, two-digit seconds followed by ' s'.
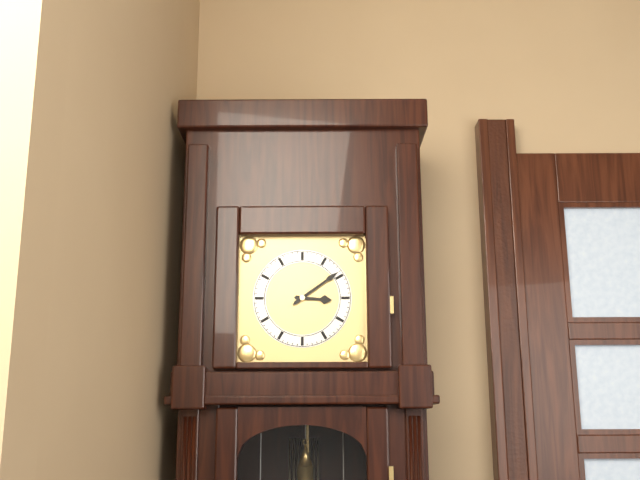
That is 3 h 09 min
